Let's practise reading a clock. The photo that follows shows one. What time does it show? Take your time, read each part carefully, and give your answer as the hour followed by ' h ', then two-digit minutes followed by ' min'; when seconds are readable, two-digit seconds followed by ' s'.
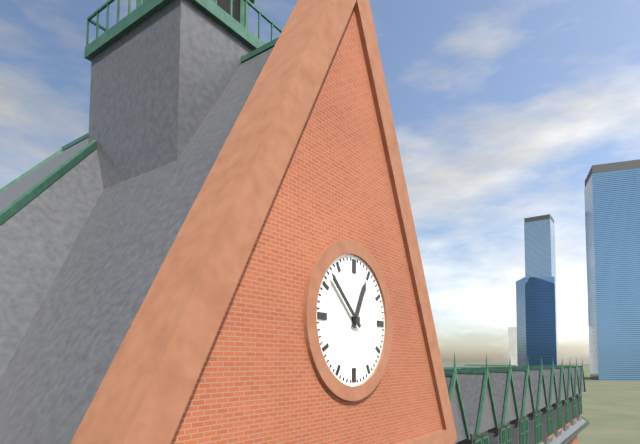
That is 12 h 52 min
